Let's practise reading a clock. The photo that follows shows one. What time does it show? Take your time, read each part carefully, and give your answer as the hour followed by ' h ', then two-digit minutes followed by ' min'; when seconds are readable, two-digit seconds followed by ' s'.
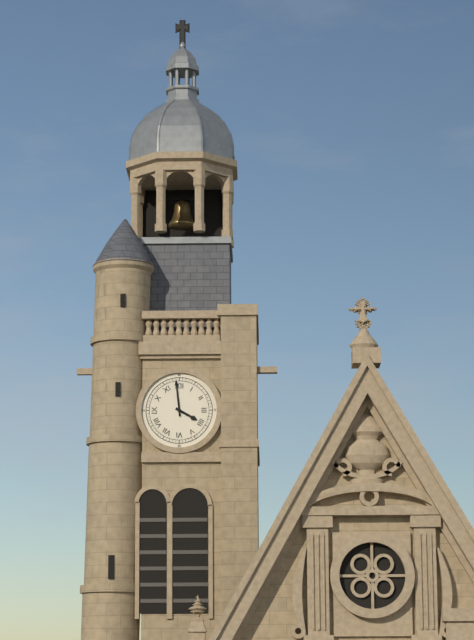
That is 3 h 59 min
